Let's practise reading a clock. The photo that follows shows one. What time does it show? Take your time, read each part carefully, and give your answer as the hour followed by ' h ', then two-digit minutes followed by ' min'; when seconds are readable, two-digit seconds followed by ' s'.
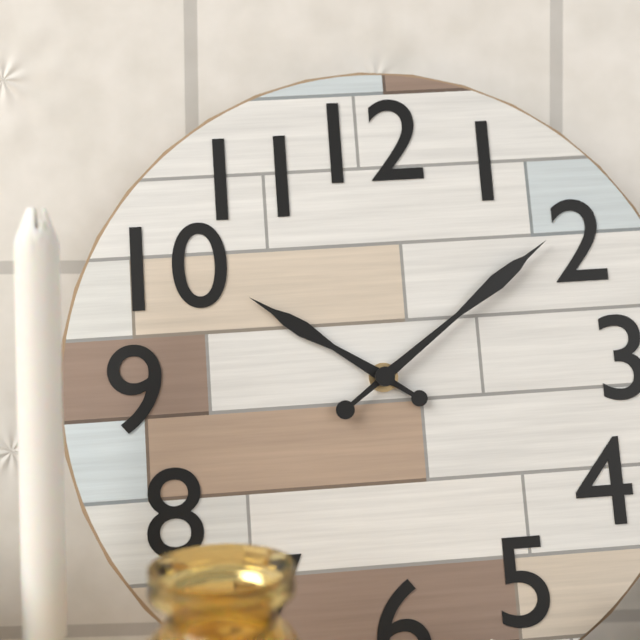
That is 10 h 09 min
